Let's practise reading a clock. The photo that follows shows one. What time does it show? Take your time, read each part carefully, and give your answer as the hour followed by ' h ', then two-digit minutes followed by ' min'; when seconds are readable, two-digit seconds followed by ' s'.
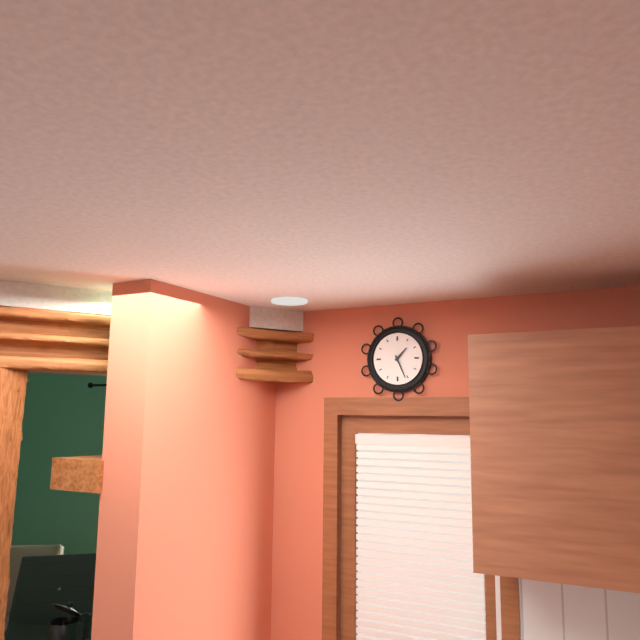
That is 1 h 26 min
